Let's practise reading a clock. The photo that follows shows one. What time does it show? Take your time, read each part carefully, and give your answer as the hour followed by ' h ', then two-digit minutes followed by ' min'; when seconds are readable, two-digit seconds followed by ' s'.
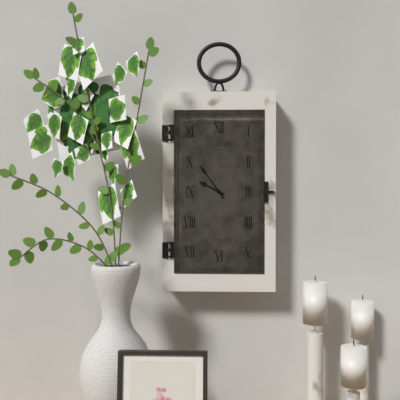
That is 9 h 54 min
